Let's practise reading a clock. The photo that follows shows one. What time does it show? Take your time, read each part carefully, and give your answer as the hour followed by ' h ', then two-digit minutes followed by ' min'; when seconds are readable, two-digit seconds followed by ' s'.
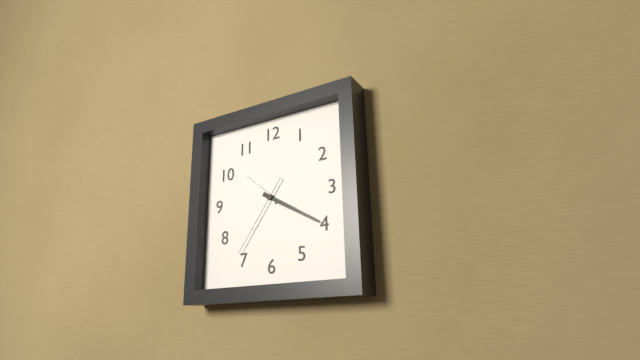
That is 10 h 20 min 36 s
